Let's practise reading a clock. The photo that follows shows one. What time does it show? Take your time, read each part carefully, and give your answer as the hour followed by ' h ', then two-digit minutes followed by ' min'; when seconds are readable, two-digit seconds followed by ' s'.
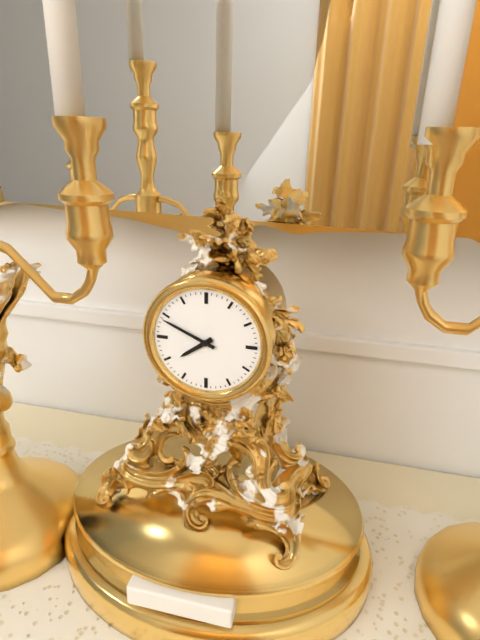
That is 7 h 49 min
